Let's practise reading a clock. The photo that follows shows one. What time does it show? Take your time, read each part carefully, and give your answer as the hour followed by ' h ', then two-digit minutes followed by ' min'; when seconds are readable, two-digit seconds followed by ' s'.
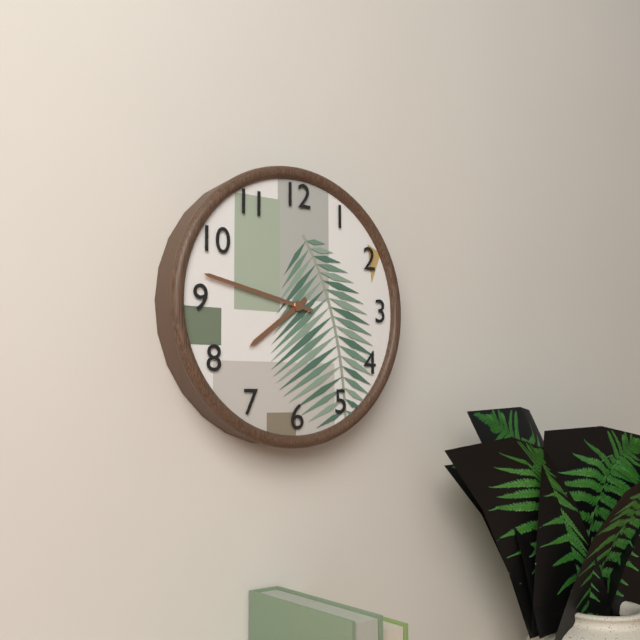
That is 7 h 47 min
